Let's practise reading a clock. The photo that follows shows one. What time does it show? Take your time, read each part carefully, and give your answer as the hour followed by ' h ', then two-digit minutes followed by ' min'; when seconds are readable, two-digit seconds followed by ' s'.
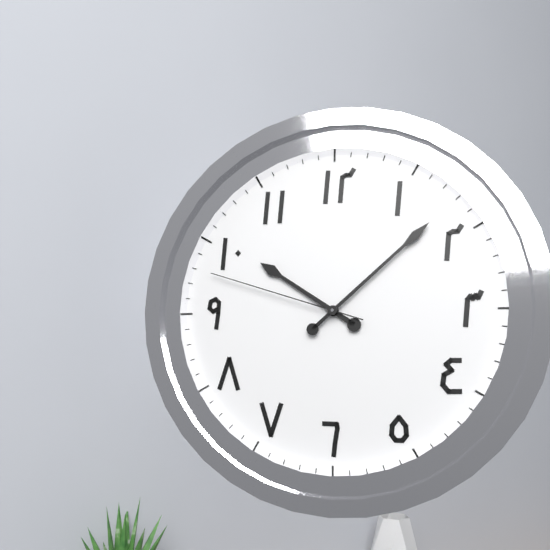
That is 10 h 08 min 48 s
